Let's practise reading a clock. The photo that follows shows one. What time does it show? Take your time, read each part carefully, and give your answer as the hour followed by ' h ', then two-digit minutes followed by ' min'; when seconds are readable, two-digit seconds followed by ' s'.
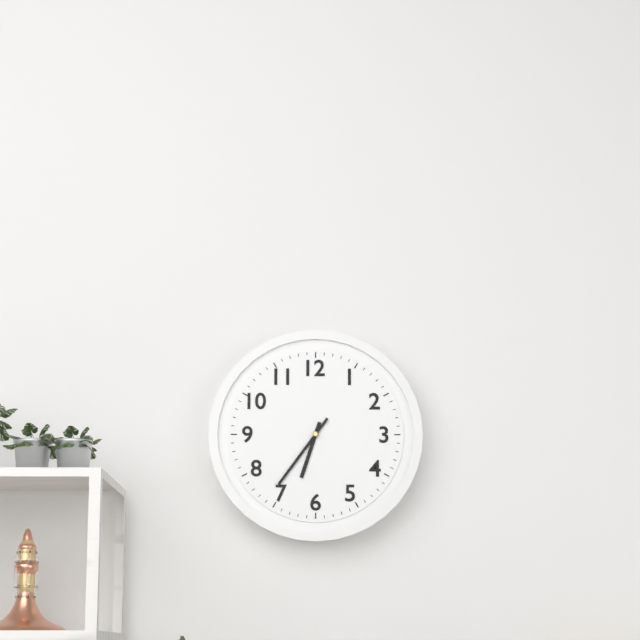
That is 6 h 36 min
